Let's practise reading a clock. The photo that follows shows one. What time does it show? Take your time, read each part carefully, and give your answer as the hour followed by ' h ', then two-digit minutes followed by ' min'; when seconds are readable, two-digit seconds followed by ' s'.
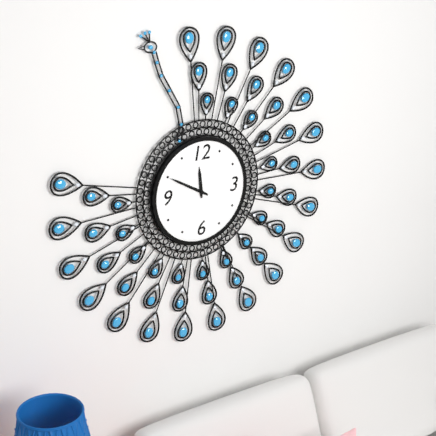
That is 11 h 50 min
